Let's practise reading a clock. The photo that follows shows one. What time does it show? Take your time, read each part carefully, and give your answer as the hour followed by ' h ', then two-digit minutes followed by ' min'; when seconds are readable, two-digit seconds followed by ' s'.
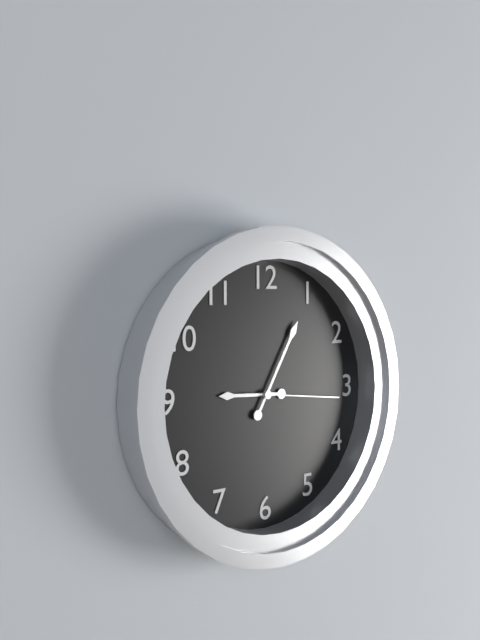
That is 9 h 05 min 16 s
